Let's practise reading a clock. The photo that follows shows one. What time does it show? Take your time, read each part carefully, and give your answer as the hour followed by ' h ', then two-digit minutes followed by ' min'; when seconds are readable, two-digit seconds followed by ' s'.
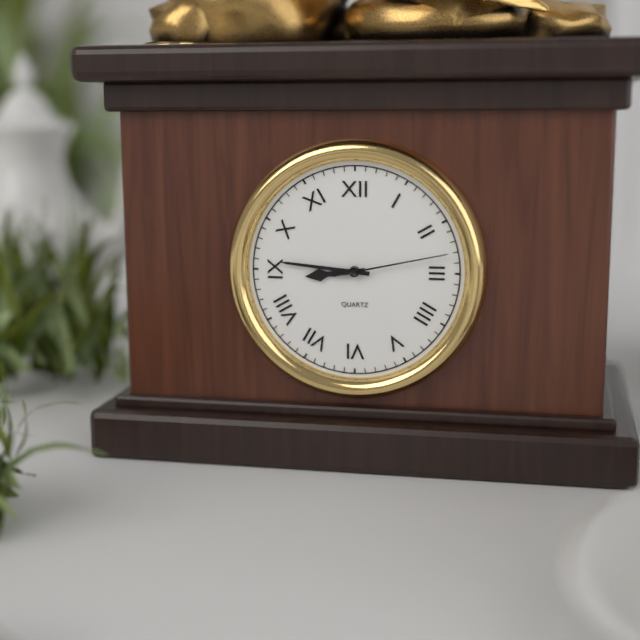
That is 8 h 46 min 13 s
